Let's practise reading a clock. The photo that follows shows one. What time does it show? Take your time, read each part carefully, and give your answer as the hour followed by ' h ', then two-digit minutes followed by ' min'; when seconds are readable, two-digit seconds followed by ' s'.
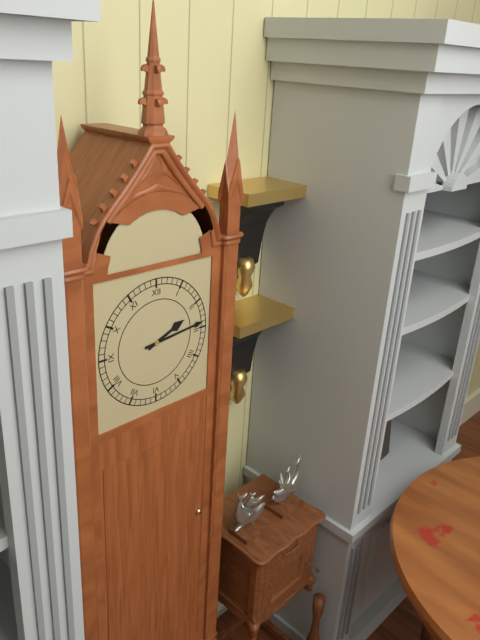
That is 2 h 14 min
